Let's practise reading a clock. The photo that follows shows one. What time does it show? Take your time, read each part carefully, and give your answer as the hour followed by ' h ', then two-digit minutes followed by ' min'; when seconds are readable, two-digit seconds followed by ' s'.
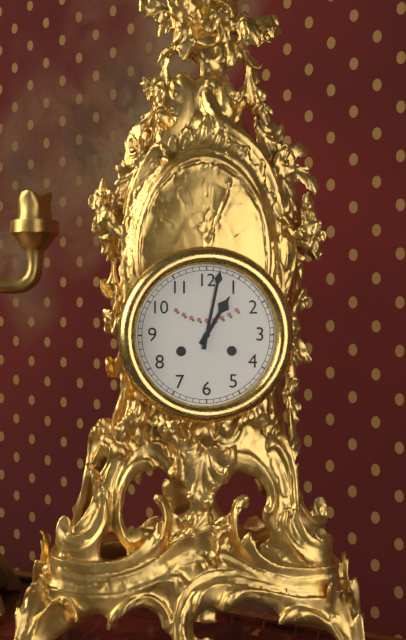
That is 1 h 02 min
